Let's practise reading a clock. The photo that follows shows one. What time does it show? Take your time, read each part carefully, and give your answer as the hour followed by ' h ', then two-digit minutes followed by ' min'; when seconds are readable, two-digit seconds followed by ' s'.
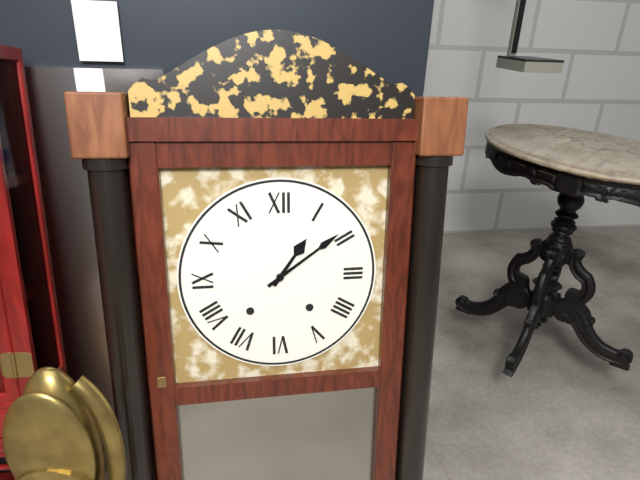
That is 1 h 09 min
